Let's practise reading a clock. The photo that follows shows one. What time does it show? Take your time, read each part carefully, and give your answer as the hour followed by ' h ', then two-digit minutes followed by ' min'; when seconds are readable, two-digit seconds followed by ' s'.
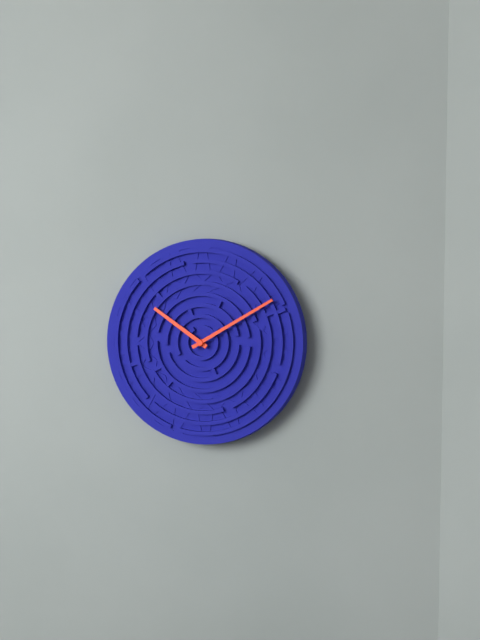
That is 10 h 10 min
